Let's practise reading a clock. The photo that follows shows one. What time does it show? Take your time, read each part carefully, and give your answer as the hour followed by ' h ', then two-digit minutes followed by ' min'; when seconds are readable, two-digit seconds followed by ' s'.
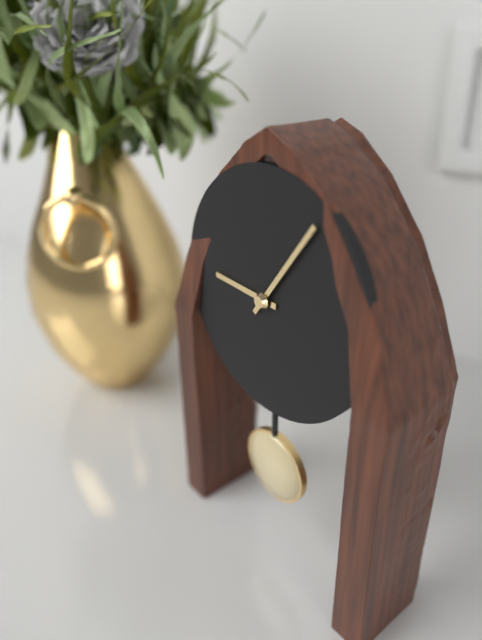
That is 9 h 06 min
